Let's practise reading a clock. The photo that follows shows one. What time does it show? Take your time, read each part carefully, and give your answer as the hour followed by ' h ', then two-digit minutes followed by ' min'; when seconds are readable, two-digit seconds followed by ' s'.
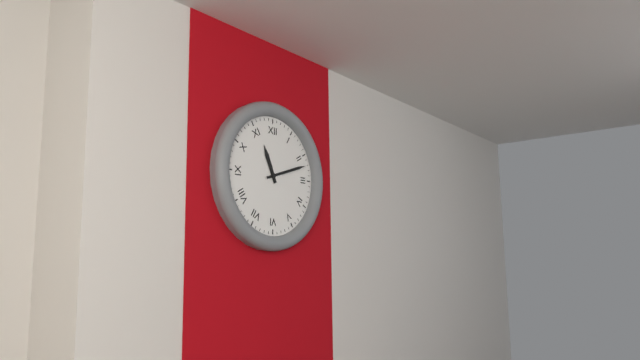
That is 11 h 12 min
